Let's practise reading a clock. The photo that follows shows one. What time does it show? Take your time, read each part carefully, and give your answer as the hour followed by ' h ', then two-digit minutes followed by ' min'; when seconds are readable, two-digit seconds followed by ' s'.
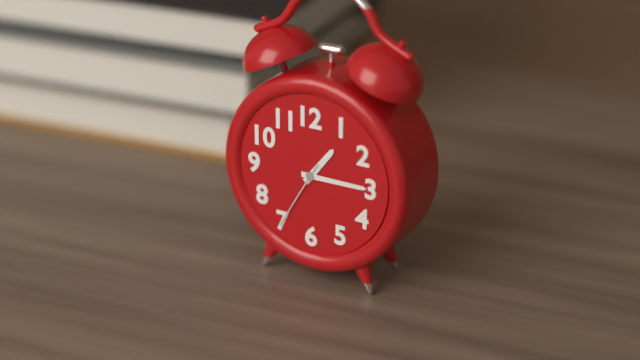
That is 1 h 15 min 35 s
